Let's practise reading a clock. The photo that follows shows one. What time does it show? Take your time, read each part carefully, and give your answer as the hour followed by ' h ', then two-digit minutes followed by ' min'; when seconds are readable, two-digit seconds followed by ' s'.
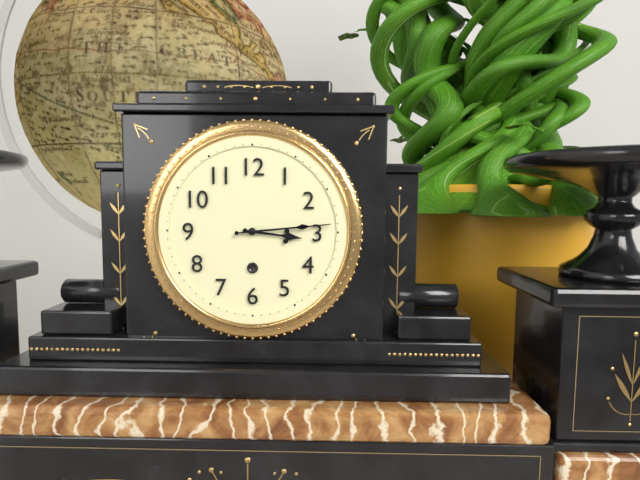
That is 3 h 14 min
